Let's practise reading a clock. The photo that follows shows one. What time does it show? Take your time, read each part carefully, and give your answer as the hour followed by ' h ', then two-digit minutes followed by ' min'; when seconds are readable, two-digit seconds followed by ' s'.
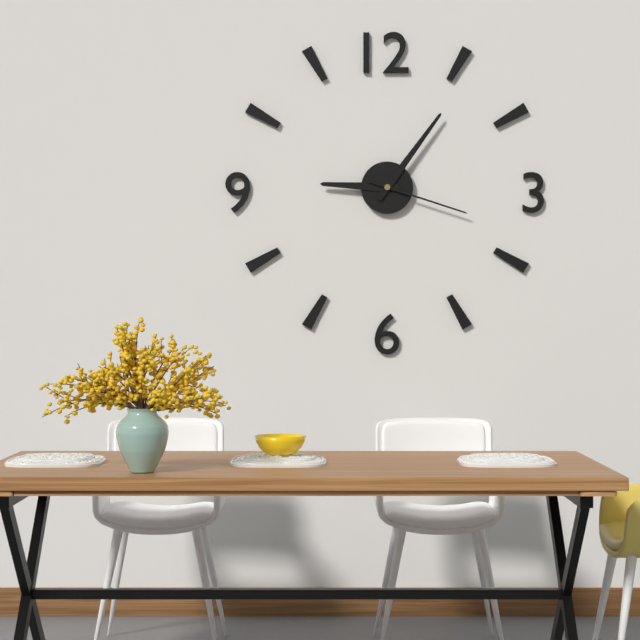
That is 9 h 06 min 18 s
